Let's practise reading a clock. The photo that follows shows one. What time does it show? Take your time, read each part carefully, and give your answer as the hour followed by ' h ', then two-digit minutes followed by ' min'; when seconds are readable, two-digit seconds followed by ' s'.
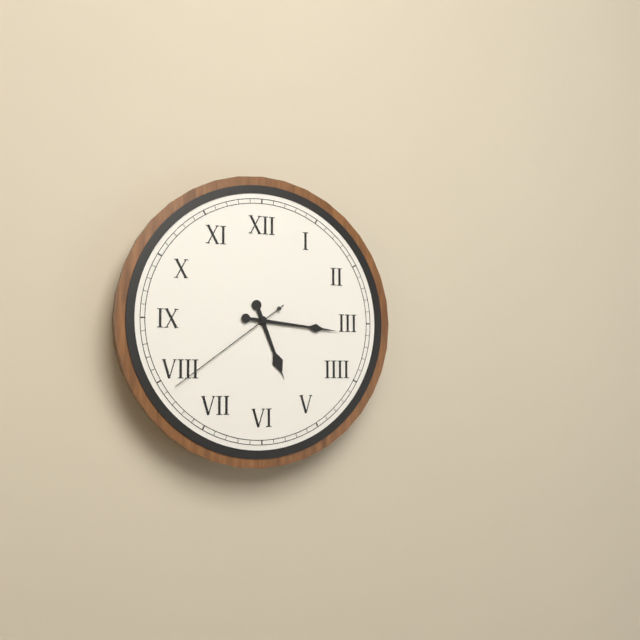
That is 5 h 16 min 39 s
